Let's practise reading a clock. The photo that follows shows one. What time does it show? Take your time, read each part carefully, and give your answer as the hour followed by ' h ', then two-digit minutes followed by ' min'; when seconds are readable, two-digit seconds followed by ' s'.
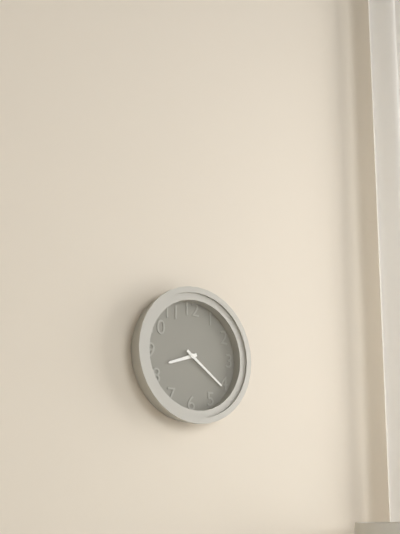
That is 8 h 21 min
